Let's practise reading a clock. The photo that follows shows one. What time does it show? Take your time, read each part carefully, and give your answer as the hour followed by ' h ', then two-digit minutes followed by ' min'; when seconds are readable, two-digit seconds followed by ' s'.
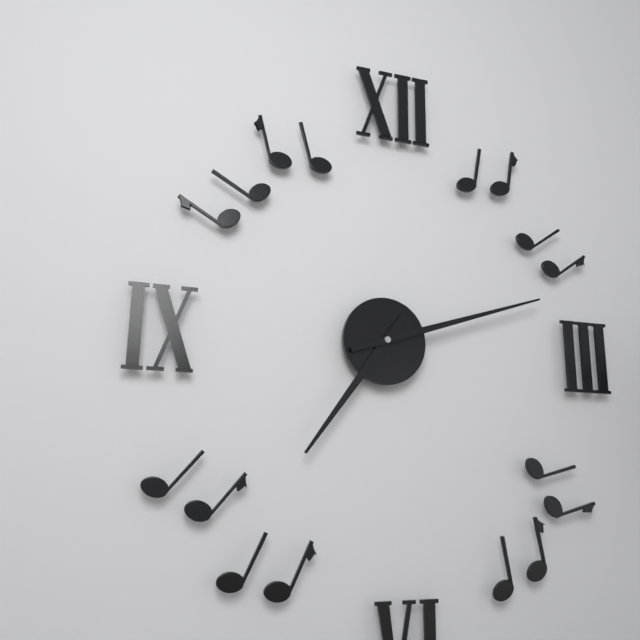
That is 7 h 12 min
